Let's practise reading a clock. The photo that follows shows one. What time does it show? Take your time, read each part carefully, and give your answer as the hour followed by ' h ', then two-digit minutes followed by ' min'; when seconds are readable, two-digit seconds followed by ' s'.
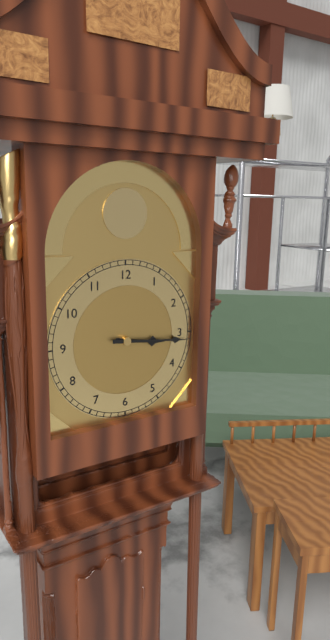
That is 3 h 16 min
